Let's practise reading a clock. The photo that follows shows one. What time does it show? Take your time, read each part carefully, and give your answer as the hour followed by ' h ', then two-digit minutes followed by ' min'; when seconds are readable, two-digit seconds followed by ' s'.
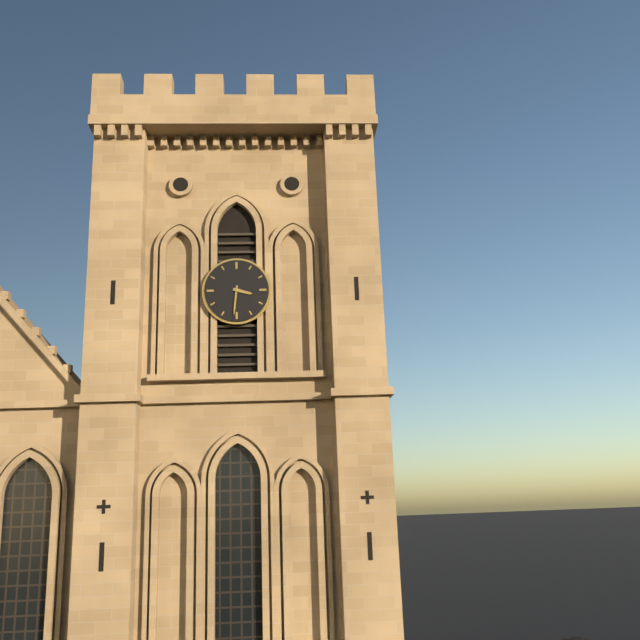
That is 3 h 31 min
